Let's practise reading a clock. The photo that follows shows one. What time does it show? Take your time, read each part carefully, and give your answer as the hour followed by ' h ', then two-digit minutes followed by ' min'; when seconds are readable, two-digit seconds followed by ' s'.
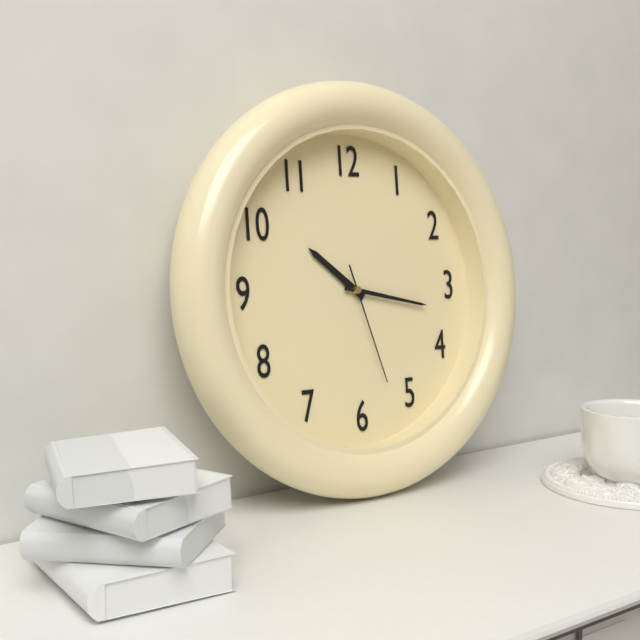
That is 10 h 17 min 27 s
